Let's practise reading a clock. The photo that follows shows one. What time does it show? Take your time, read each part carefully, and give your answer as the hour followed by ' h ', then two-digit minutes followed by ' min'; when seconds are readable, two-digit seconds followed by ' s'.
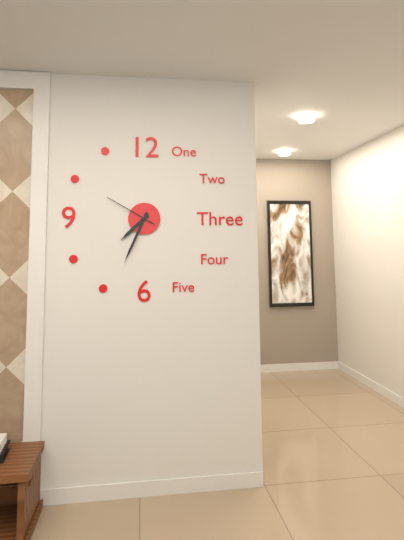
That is 7 h 34 min 50 s
